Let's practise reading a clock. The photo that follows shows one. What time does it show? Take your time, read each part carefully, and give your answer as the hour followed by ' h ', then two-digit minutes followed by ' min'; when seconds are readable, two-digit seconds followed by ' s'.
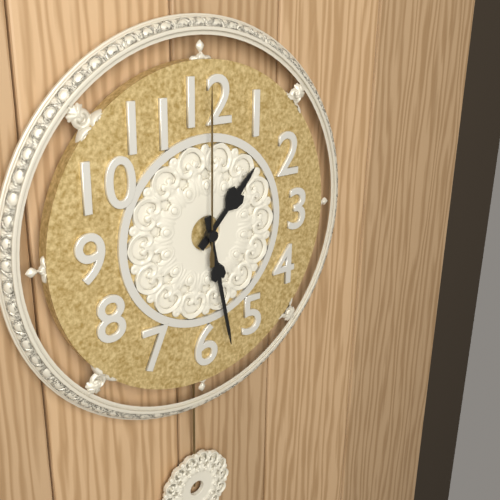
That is 1 h 28 min 00 s
